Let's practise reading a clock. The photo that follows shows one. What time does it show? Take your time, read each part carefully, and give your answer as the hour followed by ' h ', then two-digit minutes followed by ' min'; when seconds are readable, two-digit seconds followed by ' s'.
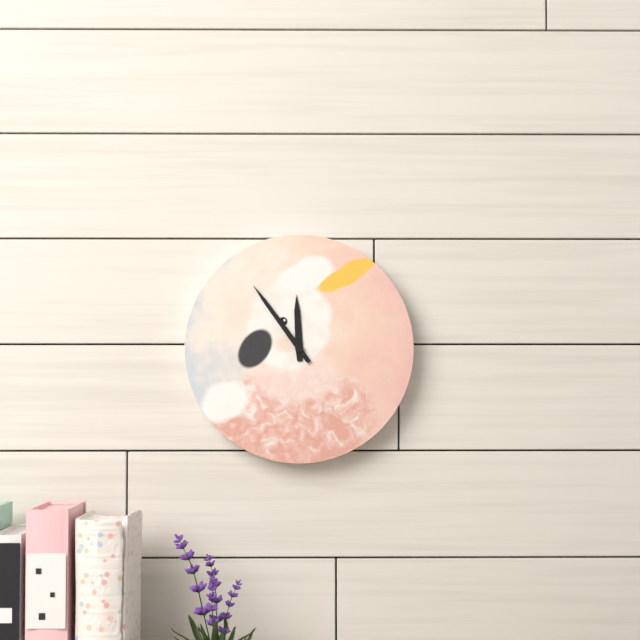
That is 11 h 54 min
